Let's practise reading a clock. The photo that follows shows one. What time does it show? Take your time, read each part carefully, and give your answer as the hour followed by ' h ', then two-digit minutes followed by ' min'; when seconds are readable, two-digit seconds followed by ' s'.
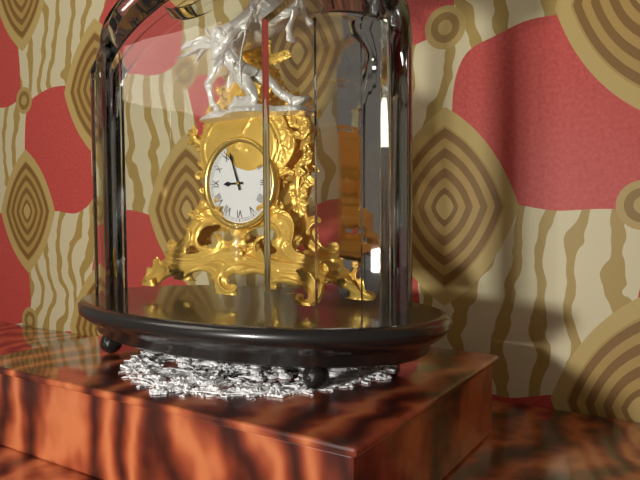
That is 8 h 57 min
